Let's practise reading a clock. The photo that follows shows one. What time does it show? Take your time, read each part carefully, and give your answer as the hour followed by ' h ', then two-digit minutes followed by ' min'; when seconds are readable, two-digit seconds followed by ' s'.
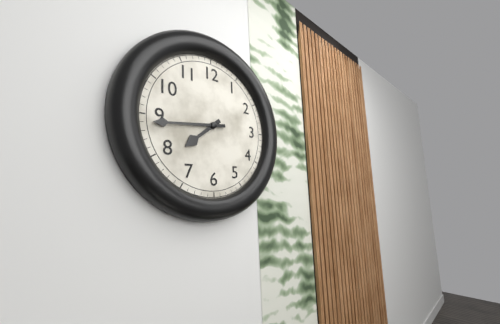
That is 7 h 44 min
